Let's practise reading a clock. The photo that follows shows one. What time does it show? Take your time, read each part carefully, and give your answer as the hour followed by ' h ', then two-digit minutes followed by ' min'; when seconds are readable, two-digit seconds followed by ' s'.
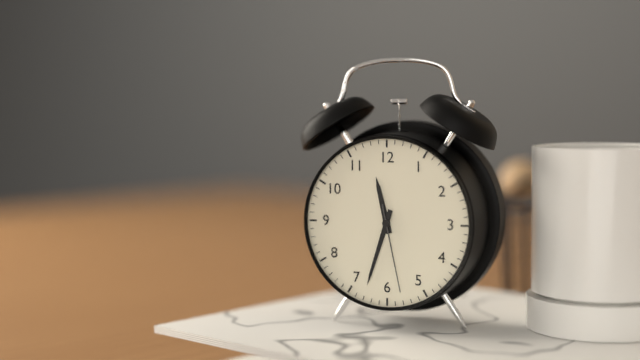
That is 11 h 33 min 28 s
